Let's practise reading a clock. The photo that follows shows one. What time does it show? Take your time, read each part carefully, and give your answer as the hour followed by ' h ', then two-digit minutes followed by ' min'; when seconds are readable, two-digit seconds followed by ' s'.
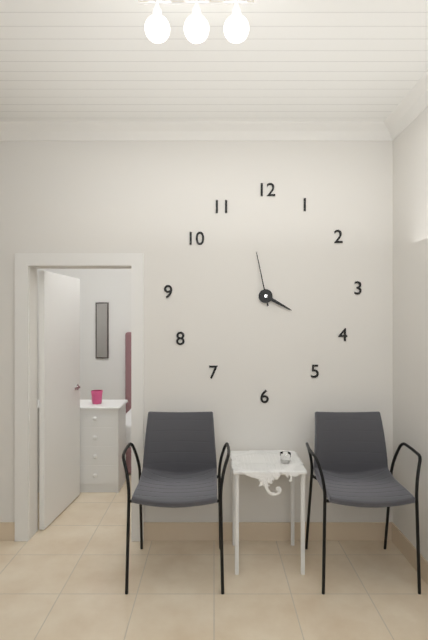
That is 3 h 58 min
